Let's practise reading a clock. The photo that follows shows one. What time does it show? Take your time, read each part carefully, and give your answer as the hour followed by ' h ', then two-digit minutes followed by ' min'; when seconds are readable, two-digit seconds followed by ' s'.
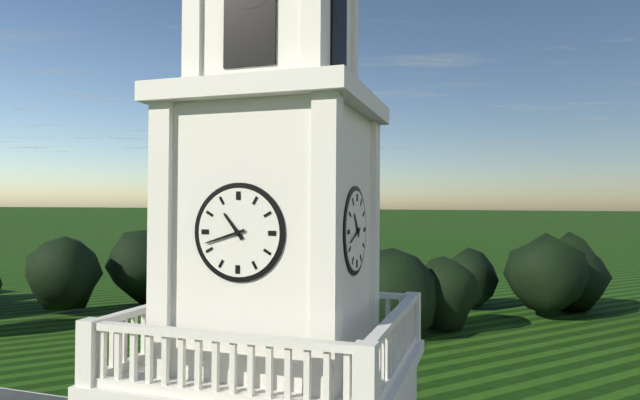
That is 10 h 42 min
